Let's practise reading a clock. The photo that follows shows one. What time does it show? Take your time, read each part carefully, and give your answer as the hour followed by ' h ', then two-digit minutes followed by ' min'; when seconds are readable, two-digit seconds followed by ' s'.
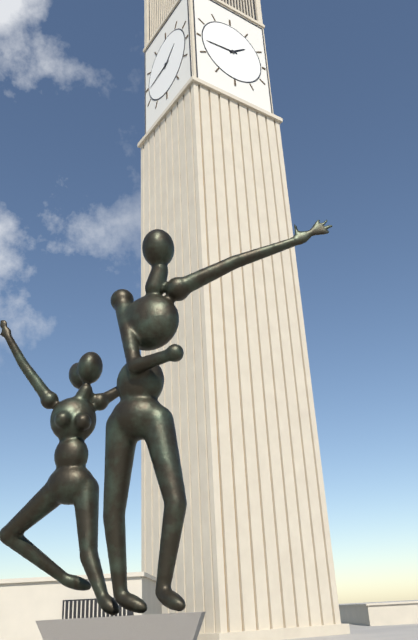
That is 1 h 44 min
